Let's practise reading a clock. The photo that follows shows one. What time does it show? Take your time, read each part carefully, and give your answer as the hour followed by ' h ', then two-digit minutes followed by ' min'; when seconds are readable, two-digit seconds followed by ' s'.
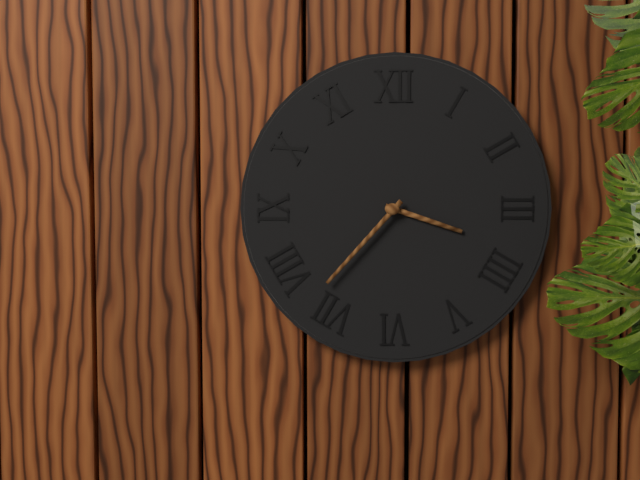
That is 3 h 37 min
